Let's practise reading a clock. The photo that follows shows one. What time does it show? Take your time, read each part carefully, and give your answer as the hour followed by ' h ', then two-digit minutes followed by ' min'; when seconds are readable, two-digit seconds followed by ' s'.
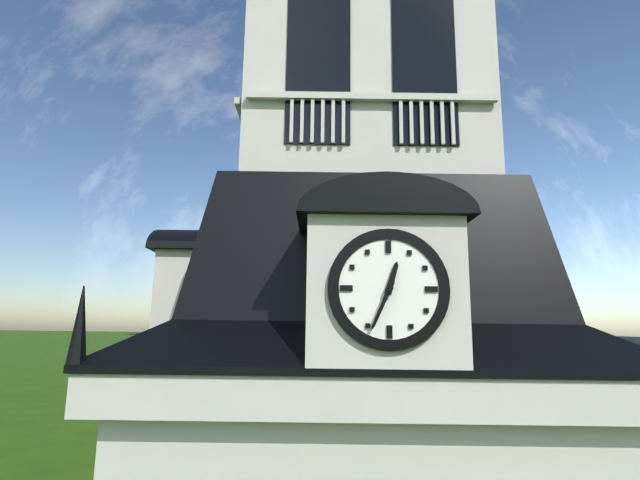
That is 12 h 34 min
